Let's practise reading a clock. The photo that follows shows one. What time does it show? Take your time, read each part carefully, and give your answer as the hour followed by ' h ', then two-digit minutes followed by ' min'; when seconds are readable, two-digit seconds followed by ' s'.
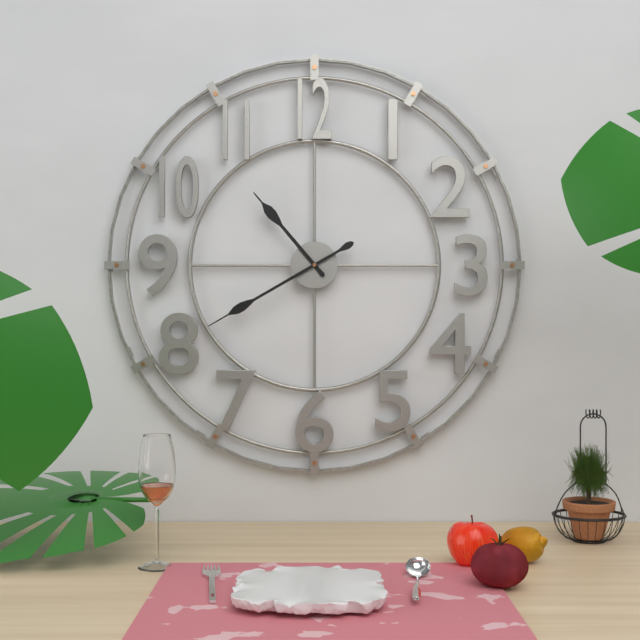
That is 10 h 40 min
